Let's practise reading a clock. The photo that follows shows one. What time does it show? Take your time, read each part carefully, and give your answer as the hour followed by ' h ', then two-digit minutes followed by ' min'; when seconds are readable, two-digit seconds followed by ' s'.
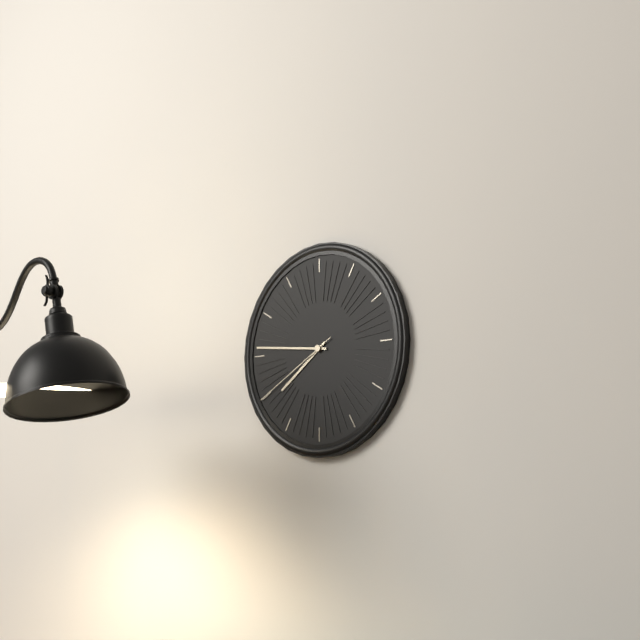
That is 7 h 46 min 40 s
